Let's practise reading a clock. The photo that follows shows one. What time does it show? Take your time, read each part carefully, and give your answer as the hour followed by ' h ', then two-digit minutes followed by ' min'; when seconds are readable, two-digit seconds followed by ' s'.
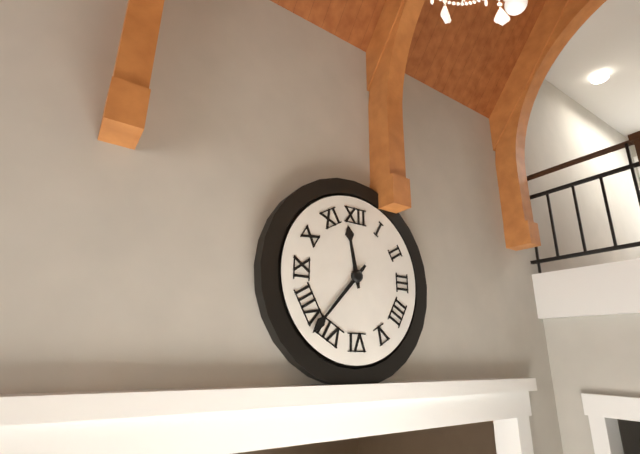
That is 11 h 37 min
